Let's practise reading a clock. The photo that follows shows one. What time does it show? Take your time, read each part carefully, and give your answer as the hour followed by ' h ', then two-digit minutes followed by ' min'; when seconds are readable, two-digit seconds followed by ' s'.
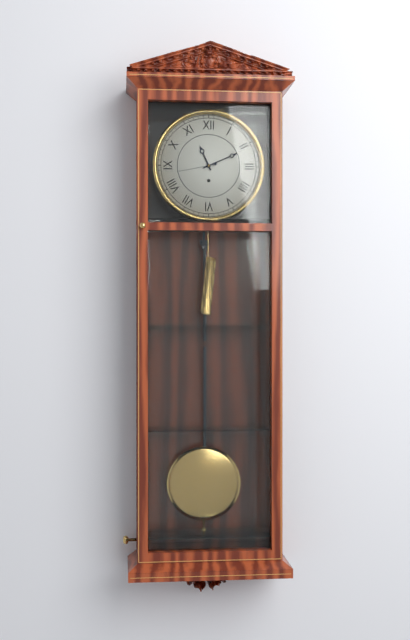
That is 11 h 11 min
